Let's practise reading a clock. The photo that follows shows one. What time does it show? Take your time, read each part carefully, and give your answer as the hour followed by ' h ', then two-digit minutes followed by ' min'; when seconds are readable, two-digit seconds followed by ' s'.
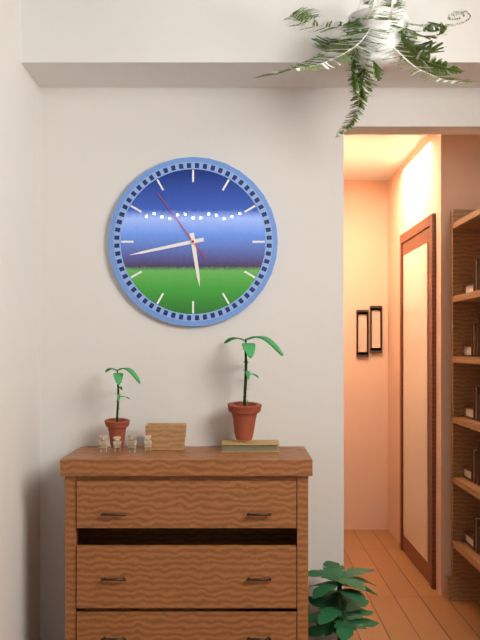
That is 5 h 43 min 54 s
